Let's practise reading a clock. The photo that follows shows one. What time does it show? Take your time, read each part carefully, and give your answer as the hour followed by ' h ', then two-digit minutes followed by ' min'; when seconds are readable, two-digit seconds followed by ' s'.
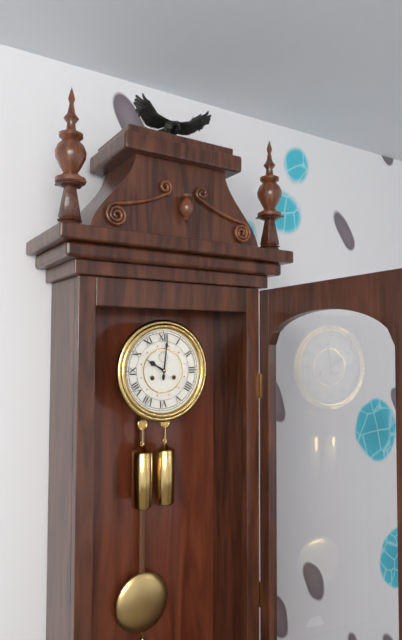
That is 10 h 01 min
